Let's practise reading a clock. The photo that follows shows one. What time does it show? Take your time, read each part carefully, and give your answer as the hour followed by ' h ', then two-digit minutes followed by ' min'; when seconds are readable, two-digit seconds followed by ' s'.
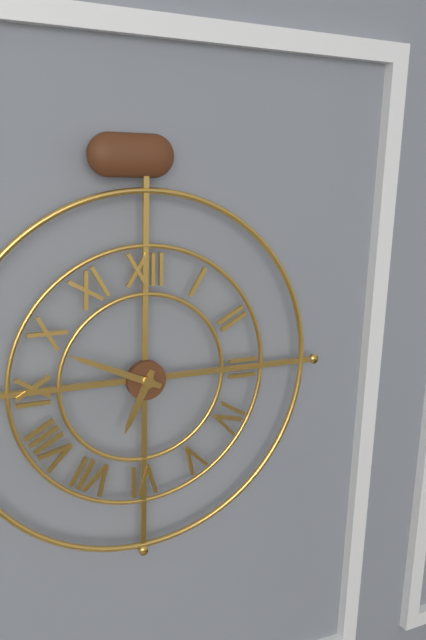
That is 6 h 49 min
